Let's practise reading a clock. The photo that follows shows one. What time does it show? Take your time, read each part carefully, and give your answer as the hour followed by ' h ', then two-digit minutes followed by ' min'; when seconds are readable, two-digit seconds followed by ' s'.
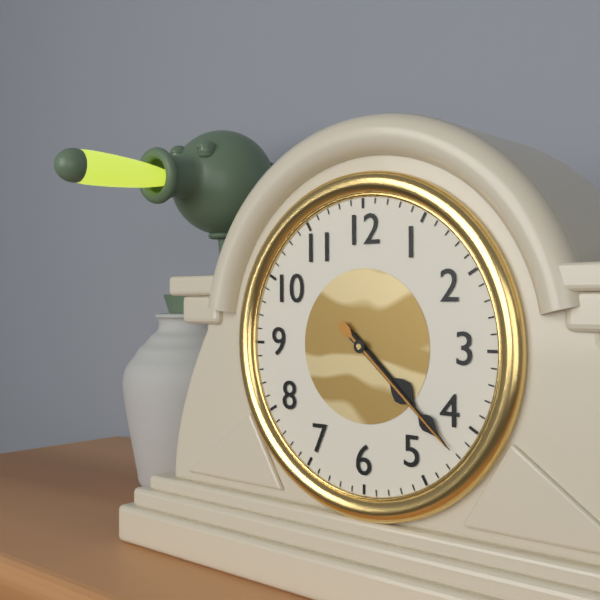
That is 4 h 22 min 22 s
